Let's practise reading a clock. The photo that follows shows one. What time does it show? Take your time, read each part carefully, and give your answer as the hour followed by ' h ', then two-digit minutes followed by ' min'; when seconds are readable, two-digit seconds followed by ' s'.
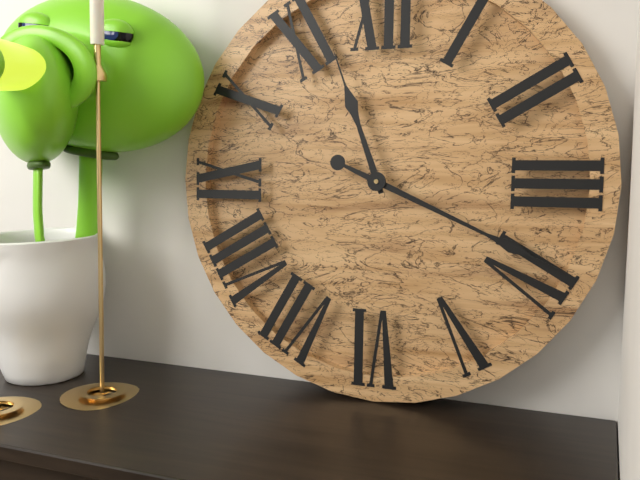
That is 11 h 19 min
